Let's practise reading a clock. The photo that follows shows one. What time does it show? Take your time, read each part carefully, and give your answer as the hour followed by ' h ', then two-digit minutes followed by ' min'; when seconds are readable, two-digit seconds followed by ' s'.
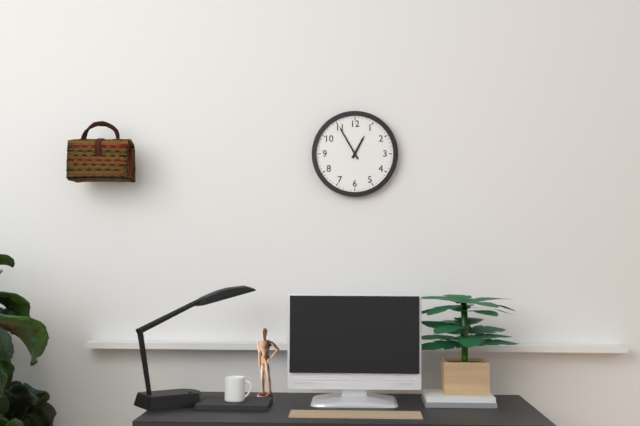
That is 12 h 55 min
